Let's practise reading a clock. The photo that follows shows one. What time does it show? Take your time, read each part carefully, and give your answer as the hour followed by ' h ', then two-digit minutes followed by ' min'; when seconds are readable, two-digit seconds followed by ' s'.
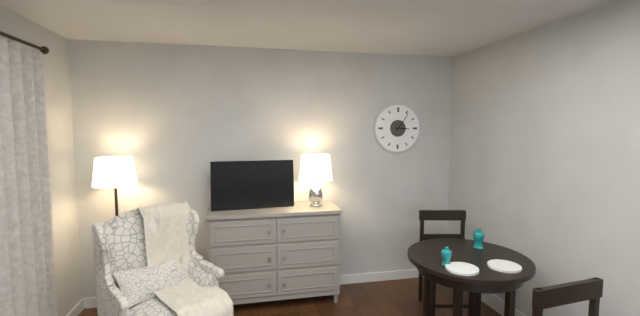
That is 3 h 06 min
